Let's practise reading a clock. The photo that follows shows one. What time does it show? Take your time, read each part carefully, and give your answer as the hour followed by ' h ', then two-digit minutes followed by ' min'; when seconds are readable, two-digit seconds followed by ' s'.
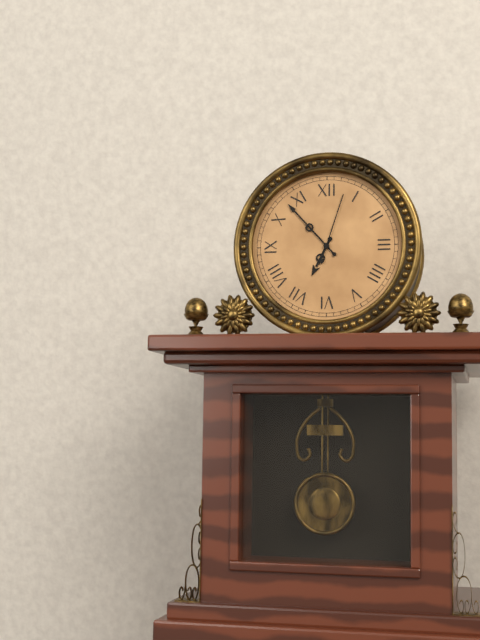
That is 6 h 53 min 03 s
